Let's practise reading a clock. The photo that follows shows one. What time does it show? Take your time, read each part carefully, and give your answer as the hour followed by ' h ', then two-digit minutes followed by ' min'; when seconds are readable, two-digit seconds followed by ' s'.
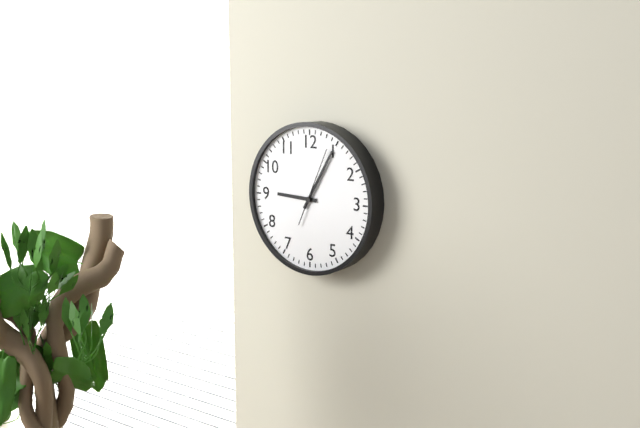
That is 9 h 05 min 04 s
